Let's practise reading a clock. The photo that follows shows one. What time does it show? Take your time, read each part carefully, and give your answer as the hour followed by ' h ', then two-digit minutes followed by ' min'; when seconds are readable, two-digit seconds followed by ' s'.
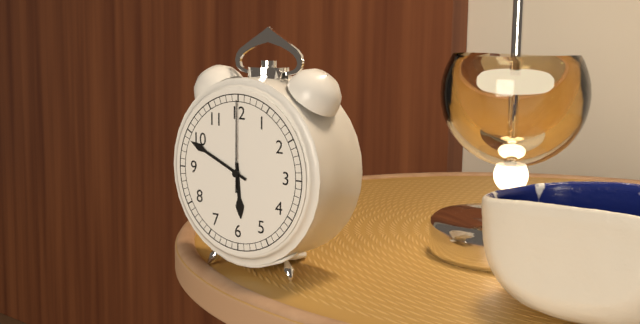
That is 5 h 49 min 00 s
